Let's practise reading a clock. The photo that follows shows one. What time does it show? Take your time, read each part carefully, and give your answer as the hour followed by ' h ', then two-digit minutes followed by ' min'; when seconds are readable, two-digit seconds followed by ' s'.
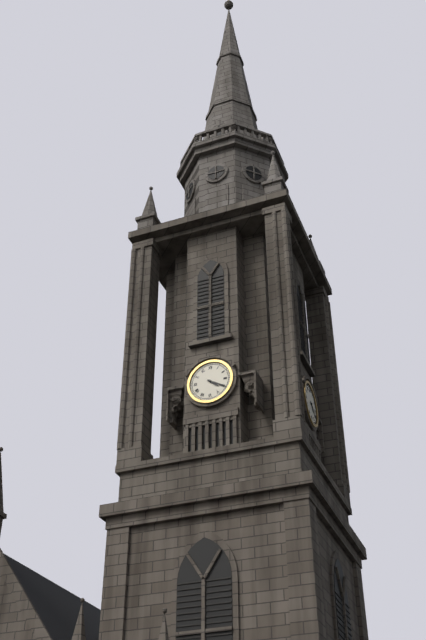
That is 4 h 20 min
